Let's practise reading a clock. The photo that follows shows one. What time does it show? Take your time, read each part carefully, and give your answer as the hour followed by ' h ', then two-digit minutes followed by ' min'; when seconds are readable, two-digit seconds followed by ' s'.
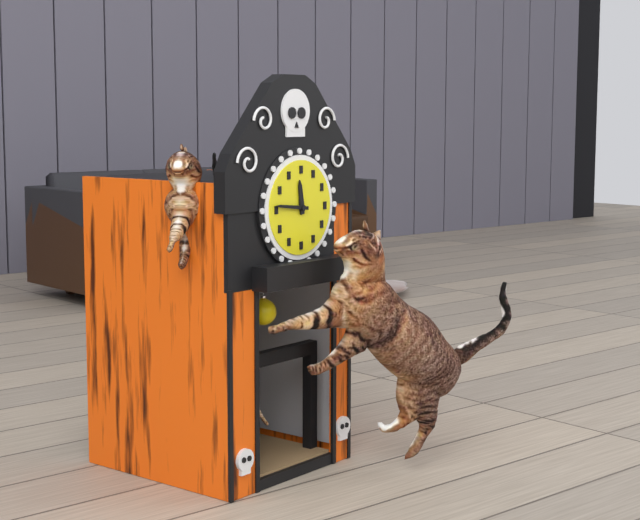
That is 11 h 46 min
